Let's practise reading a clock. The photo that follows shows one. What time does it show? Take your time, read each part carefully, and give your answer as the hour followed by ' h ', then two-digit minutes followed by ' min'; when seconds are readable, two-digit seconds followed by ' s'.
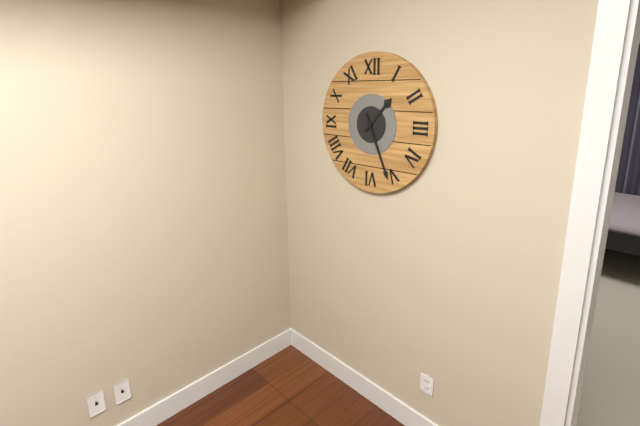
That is 1 h 26 min
